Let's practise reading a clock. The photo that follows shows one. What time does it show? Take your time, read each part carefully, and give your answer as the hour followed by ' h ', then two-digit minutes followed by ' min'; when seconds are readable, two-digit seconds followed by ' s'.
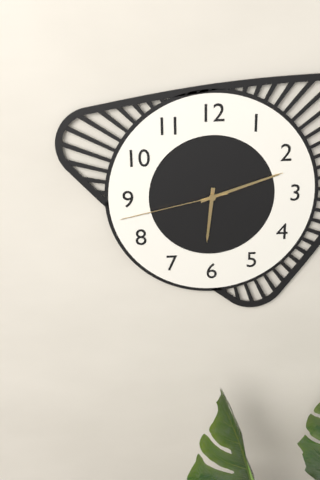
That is 6 h 12 min 43 s
